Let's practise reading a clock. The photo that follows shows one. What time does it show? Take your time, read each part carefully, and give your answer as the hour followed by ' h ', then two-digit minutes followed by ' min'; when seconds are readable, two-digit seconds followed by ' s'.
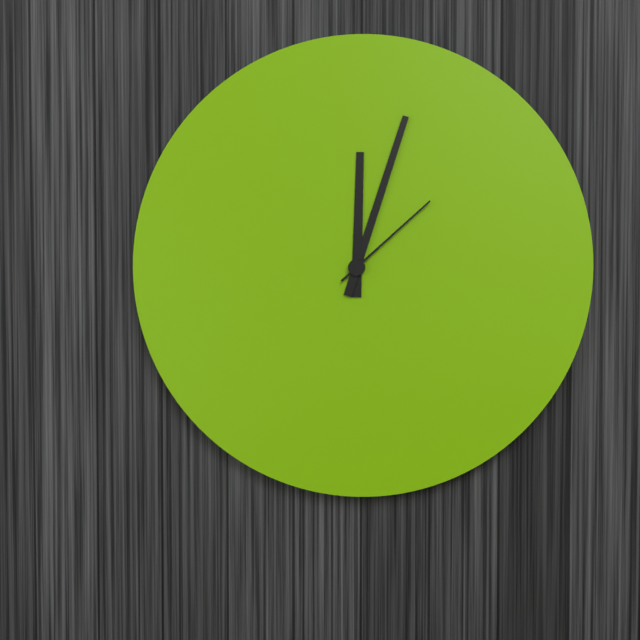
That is 12 h 03 min 08 s
